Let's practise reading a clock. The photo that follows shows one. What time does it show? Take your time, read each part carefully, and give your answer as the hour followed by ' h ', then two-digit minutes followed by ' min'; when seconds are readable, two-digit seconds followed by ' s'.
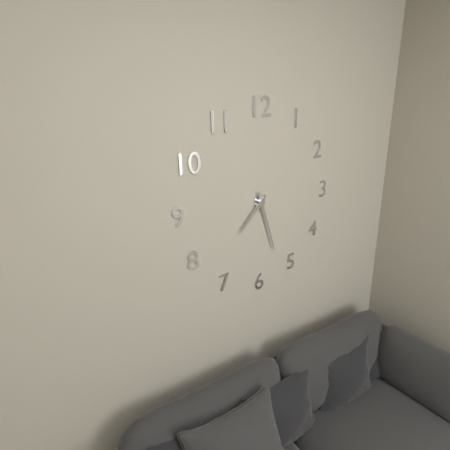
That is 7 h 27 min
